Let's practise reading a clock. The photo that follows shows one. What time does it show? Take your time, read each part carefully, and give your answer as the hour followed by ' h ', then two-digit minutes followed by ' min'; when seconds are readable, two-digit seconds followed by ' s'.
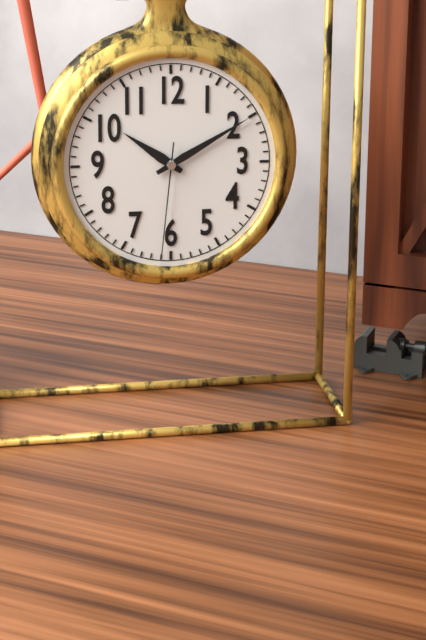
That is 10 h 10 min 31 s
